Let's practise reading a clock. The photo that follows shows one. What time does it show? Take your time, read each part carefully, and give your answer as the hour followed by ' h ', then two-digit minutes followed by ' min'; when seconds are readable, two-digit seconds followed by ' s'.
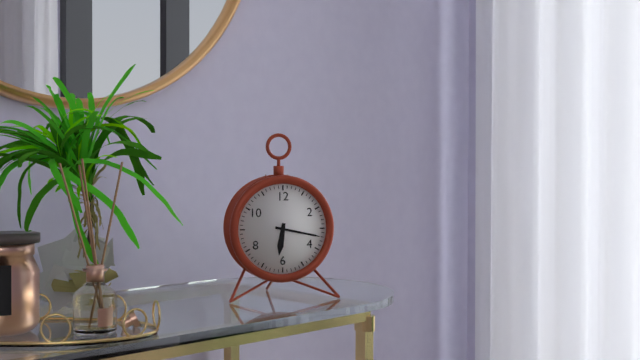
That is 6 h 17 min
